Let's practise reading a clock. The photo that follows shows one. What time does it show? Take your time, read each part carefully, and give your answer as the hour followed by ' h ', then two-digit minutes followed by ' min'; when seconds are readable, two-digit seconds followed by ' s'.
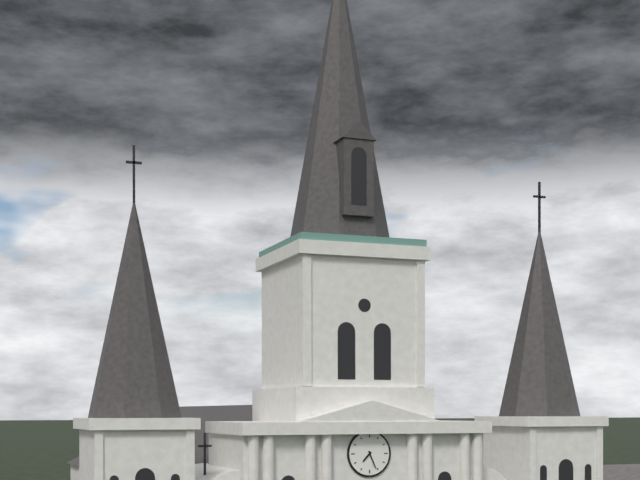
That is 7 h 26 min
